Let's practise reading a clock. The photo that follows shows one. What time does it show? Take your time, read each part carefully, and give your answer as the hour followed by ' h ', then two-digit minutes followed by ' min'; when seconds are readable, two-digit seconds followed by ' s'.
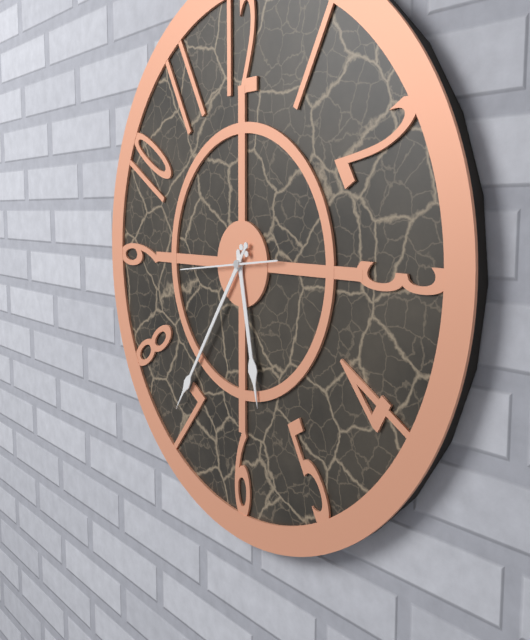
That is 5 h 36 min 44 s
